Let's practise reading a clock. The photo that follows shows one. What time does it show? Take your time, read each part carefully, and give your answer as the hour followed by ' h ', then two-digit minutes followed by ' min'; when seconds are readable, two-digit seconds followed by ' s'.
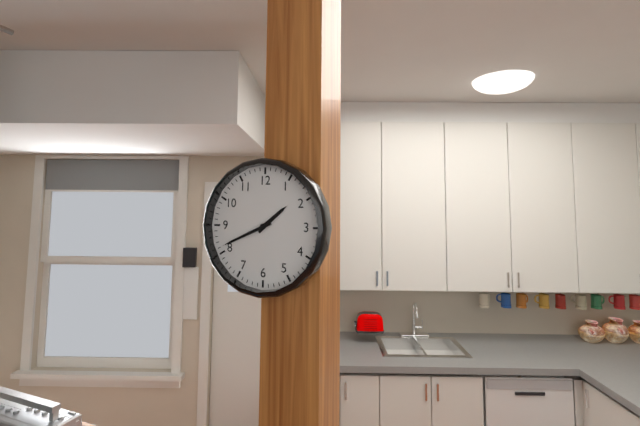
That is 1 h 41 min
